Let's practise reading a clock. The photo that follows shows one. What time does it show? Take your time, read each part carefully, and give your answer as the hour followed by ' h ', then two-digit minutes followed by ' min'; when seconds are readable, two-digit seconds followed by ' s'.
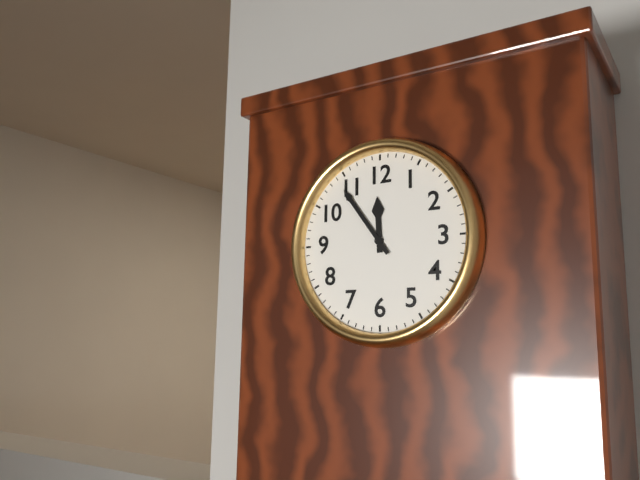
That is 11 h 54 min
